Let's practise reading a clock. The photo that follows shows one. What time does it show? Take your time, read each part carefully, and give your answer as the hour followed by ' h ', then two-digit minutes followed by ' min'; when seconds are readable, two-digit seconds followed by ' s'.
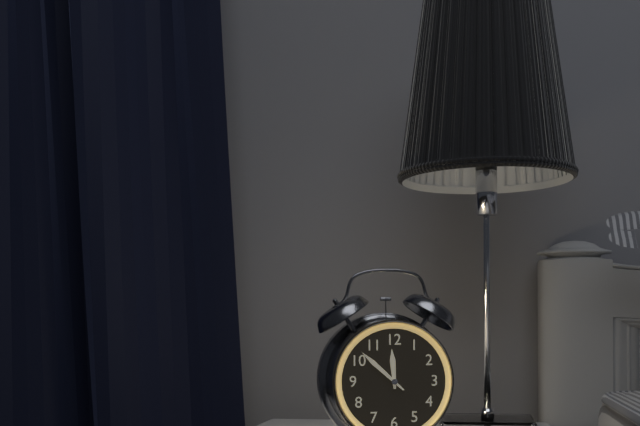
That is 11 h 52 min
